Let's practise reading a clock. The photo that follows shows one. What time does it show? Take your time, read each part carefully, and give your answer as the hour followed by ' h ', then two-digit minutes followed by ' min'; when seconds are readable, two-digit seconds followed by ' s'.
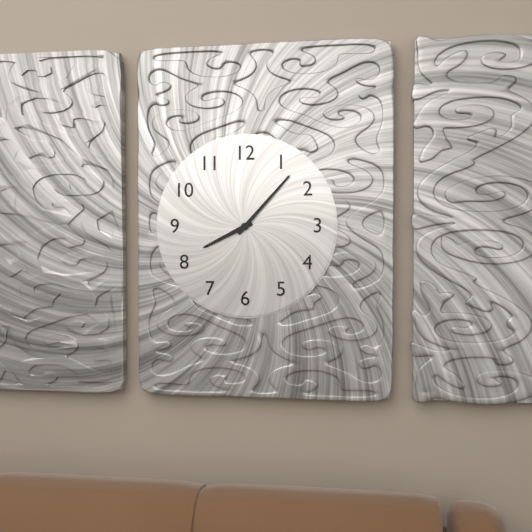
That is 8 h 07 min
